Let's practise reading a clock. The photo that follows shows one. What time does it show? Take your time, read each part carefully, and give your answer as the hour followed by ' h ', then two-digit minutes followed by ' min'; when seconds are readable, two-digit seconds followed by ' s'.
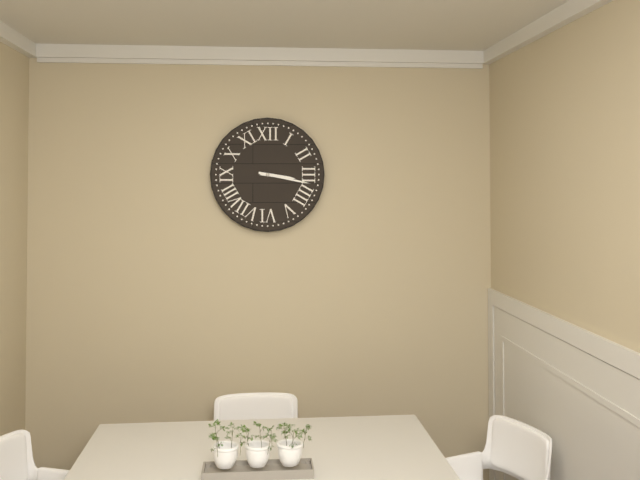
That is 3 h 17 min
